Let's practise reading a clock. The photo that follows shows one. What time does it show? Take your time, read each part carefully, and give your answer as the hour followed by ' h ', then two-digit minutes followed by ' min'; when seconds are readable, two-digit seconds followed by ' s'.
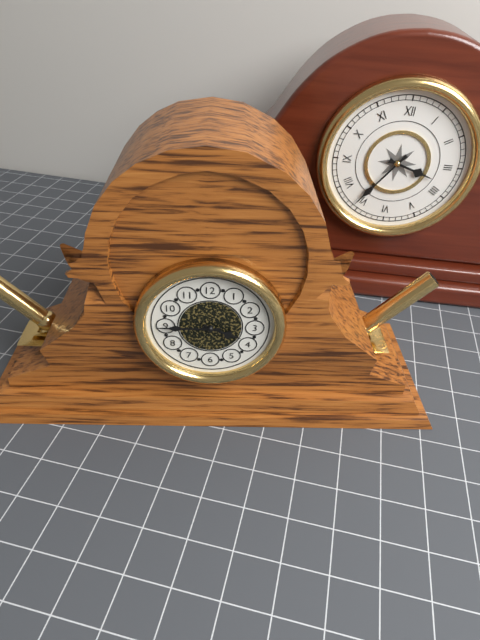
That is 3 h 45 min
